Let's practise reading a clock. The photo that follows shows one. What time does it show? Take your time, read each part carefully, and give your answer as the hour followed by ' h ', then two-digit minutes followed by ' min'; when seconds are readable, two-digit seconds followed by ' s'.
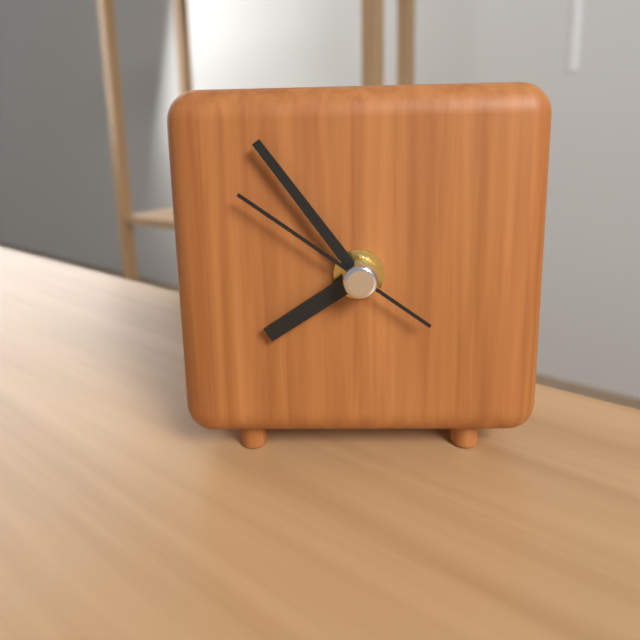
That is 7 h 54 min 51 s
